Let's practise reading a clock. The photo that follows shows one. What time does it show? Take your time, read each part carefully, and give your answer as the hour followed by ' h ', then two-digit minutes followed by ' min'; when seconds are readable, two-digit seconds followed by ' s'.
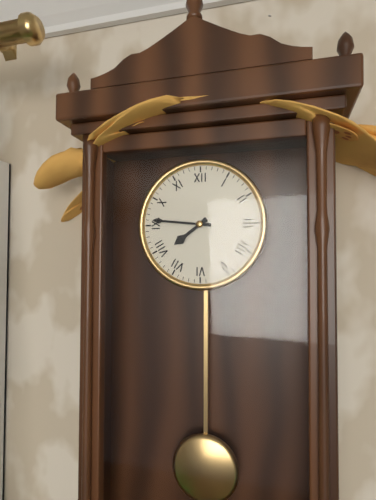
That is 7 h 46 min
